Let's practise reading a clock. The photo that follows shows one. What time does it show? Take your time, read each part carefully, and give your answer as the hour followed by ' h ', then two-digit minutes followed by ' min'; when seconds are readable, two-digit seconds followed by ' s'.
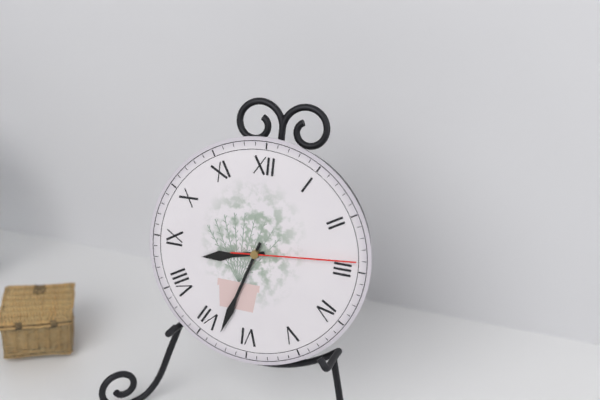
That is 8 h 33 min 14 s
